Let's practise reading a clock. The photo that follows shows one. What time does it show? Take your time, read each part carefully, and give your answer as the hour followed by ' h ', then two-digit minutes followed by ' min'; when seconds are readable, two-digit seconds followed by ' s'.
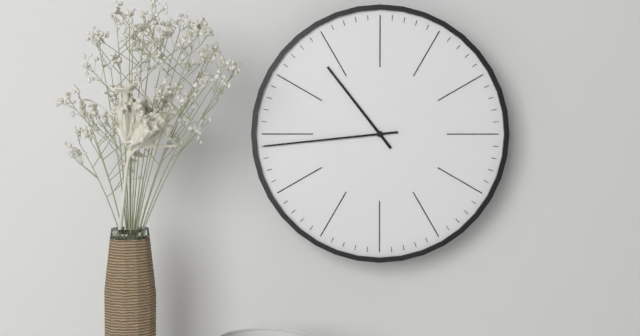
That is 10 h 44 min
